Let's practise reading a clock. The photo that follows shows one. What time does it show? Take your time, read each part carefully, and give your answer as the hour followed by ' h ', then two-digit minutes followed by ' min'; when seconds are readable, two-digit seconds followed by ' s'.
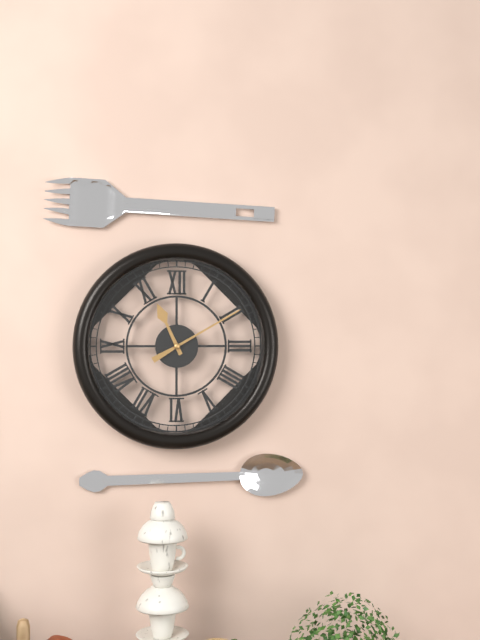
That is 11 h 10 min
